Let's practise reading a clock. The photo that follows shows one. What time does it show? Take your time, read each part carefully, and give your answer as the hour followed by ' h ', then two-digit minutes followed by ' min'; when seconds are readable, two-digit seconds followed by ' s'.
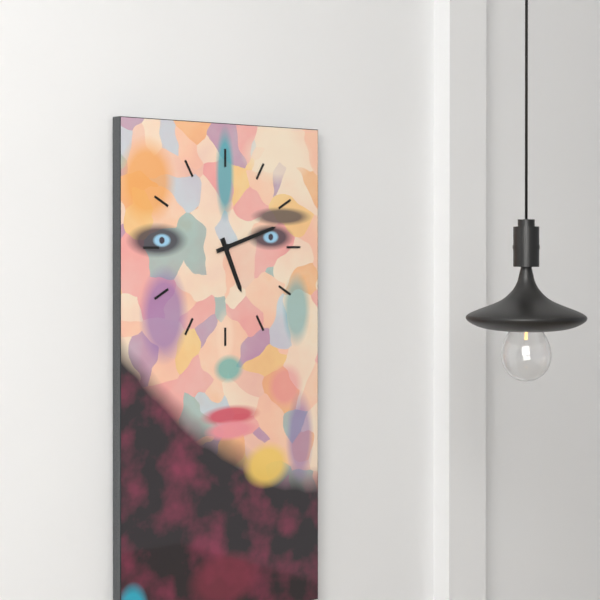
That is 5 h 12 min
